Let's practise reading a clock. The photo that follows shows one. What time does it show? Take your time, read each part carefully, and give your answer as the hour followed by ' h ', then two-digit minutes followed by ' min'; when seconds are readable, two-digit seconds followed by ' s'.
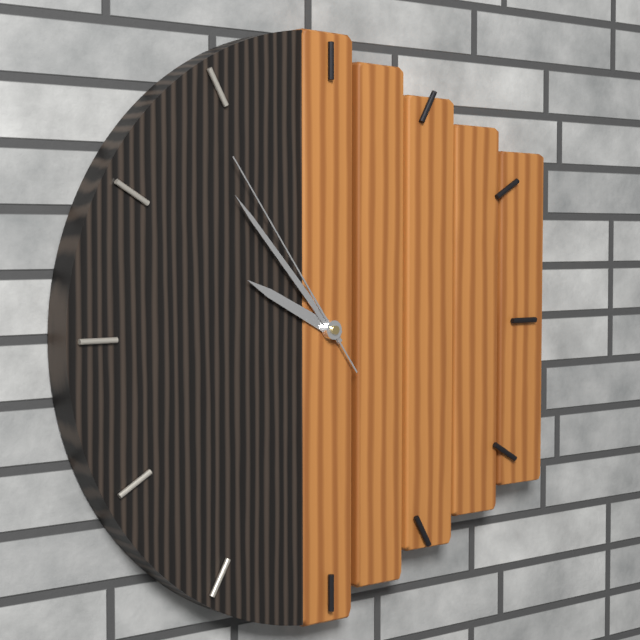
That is 9 h 53 min 54 s
